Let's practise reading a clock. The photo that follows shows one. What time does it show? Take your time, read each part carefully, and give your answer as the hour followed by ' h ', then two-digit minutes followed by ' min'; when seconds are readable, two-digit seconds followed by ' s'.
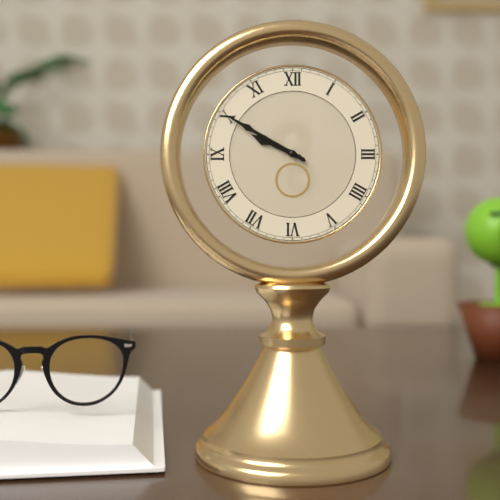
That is 9 h 50 min
